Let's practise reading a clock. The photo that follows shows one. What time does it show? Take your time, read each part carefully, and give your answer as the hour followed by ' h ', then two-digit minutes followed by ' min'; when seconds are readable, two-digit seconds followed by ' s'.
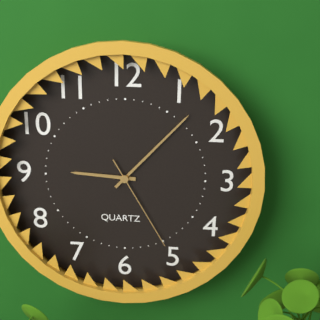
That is 9 h 07 min 25 s
